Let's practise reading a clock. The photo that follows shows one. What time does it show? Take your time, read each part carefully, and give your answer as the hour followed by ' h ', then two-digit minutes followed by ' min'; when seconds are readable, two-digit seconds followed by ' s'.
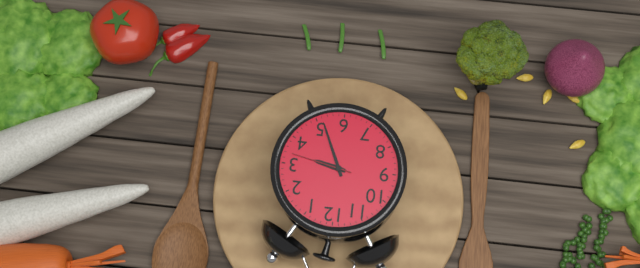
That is 3 h 26 min 17 s
